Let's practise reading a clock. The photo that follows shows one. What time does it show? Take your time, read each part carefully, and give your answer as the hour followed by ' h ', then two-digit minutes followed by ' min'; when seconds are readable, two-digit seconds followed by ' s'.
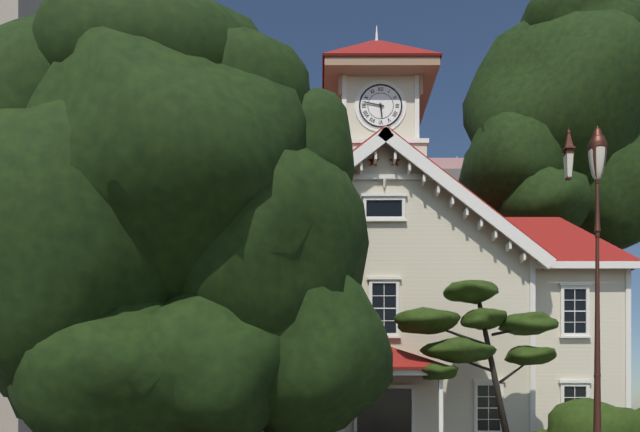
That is 5 h 47 min
